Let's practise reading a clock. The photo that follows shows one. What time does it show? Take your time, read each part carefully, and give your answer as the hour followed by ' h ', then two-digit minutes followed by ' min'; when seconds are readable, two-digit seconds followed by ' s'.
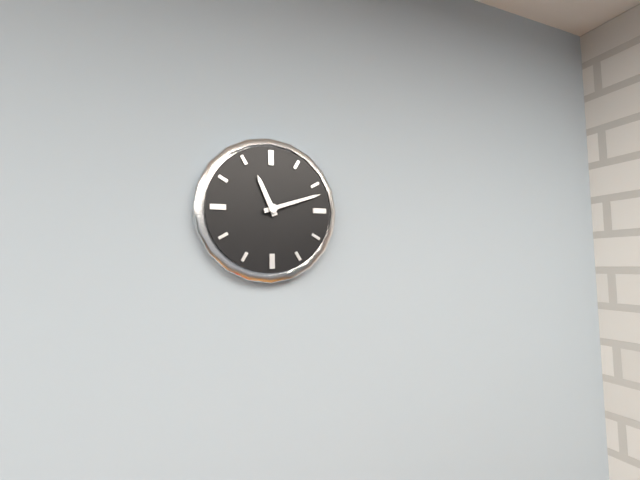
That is 11 h 12 min
